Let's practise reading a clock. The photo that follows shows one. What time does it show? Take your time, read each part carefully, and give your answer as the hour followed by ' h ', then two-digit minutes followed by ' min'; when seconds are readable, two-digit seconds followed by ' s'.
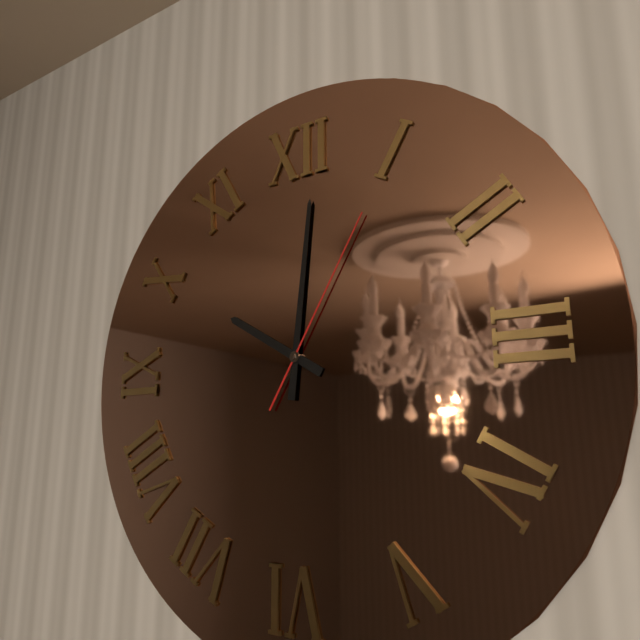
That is 10 h 01 min 05 s
